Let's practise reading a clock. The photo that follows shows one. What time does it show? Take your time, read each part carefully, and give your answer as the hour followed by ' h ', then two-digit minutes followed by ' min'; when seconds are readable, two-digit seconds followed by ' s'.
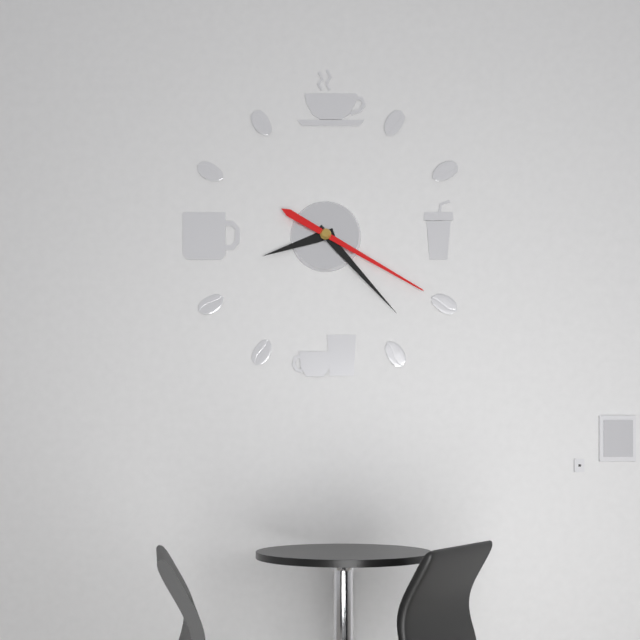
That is 8 h 23 min 20 s
